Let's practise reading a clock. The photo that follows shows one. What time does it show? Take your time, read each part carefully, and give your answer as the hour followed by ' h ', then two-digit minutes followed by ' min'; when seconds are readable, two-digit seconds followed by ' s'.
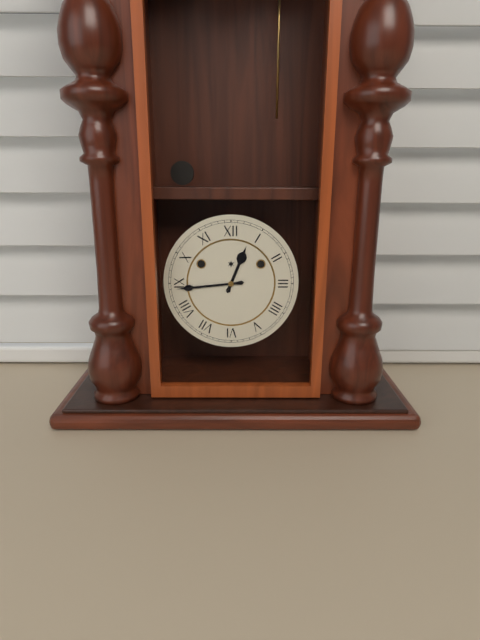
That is 12 h 44 min
